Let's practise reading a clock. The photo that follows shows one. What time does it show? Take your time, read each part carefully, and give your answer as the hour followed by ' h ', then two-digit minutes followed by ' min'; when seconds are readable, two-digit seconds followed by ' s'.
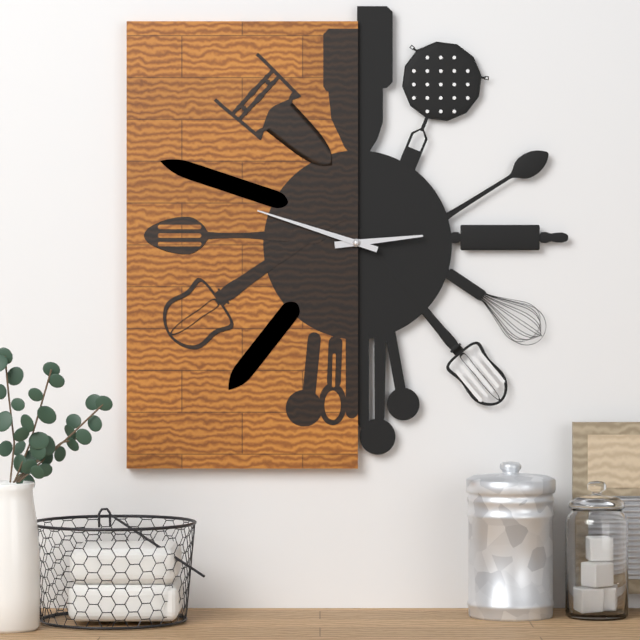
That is 2 h 48 min
